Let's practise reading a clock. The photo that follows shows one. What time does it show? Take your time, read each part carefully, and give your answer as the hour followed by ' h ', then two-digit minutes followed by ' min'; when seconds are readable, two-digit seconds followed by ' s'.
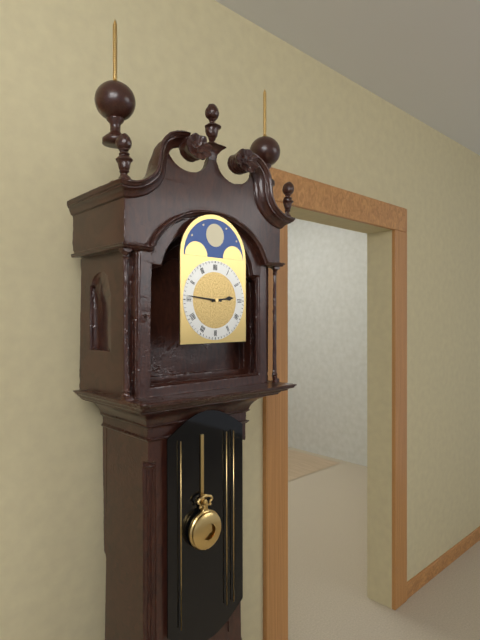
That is 2 h 46 min
